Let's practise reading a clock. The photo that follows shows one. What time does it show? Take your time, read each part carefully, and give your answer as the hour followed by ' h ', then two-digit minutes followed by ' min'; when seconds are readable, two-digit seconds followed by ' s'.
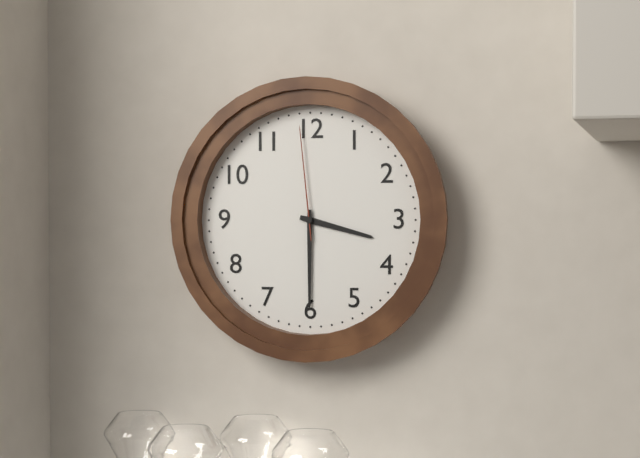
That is 3 h 30 min 59 s
